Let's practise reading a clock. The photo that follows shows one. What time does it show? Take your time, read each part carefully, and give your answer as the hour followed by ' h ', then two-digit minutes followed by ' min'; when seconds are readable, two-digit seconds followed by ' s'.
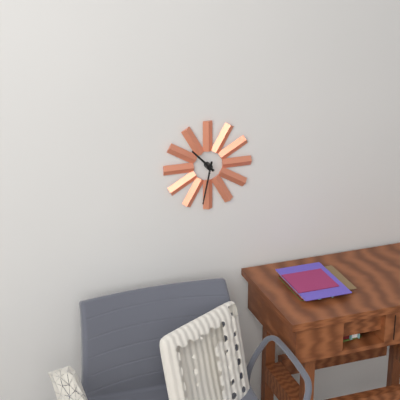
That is 10 h 32 min
